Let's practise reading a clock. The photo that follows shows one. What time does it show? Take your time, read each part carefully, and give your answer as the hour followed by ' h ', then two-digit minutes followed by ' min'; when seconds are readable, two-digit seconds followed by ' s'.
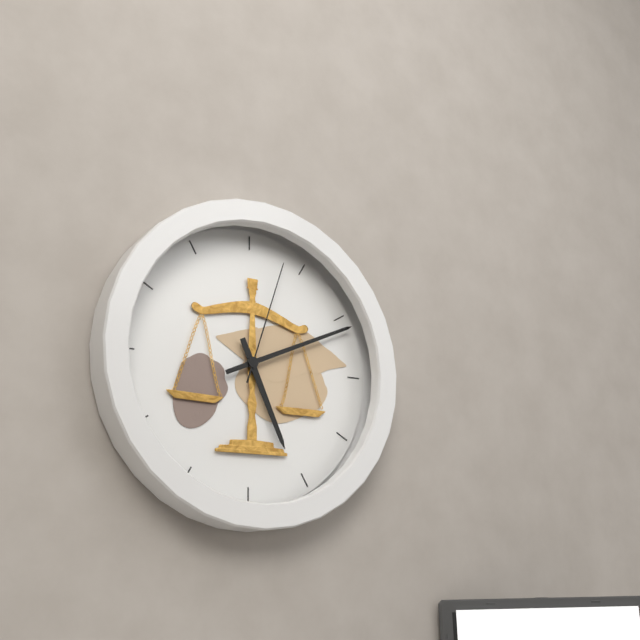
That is 5 h 11 min 03 s
